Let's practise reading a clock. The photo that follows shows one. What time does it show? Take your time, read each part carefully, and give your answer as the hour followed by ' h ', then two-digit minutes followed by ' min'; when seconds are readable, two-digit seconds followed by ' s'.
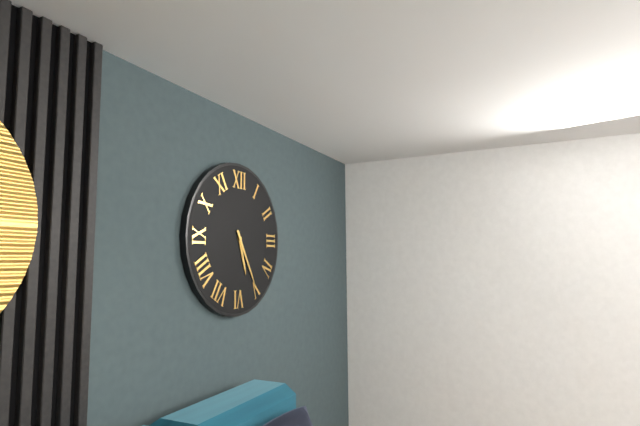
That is 5 h 25 min
